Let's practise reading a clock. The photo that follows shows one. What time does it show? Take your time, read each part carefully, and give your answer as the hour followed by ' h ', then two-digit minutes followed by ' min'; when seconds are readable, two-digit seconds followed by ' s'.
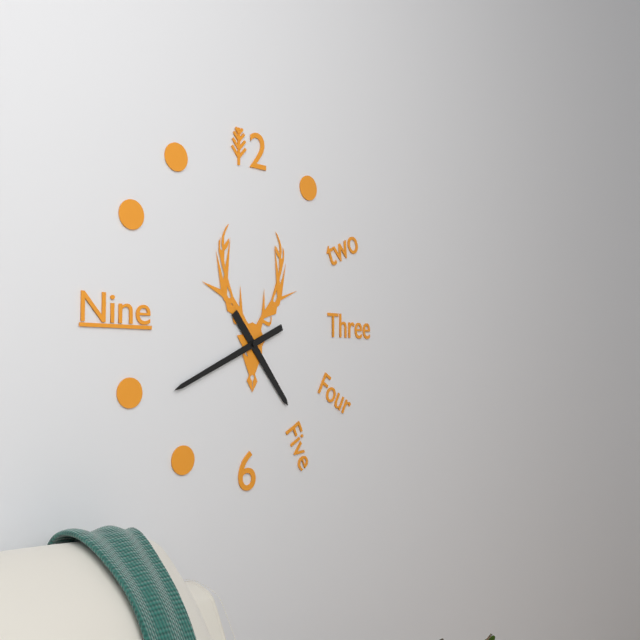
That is 4 h 41 min
